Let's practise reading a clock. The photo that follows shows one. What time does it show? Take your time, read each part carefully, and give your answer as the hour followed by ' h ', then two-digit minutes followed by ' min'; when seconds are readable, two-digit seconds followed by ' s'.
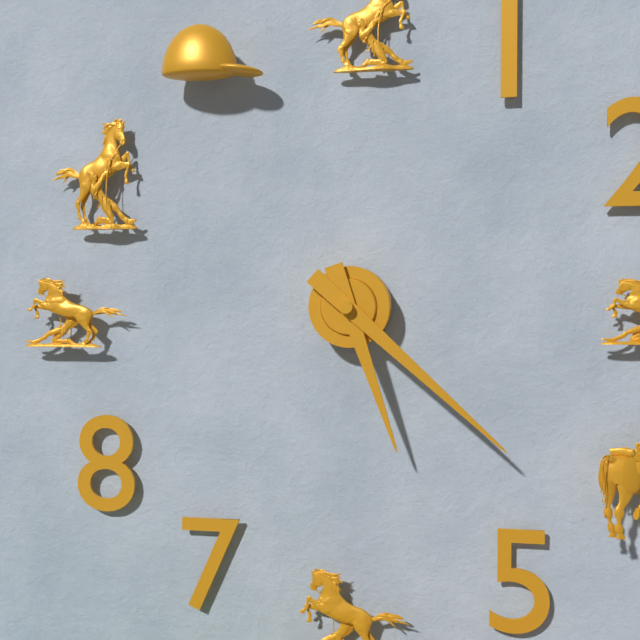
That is 5 h 22 min
